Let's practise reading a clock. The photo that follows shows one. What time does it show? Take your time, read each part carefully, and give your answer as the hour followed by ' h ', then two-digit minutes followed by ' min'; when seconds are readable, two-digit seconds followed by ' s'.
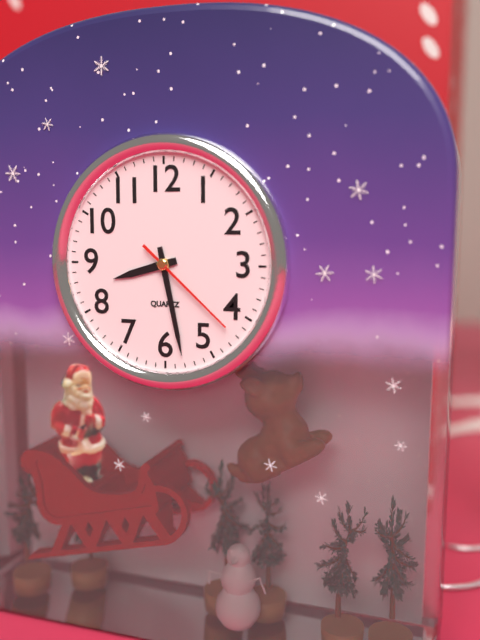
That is 8 h 28 min 22 s
